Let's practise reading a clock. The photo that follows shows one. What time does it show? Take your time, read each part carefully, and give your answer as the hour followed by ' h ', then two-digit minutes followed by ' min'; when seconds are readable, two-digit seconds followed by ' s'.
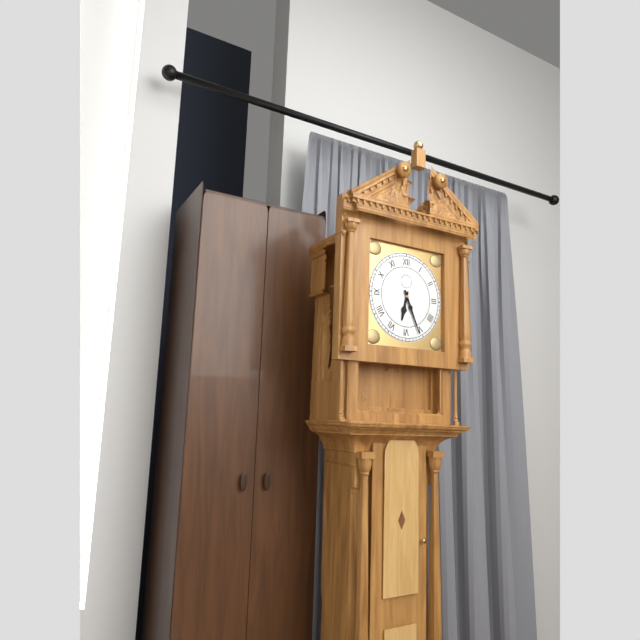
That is 6 h 26 min
